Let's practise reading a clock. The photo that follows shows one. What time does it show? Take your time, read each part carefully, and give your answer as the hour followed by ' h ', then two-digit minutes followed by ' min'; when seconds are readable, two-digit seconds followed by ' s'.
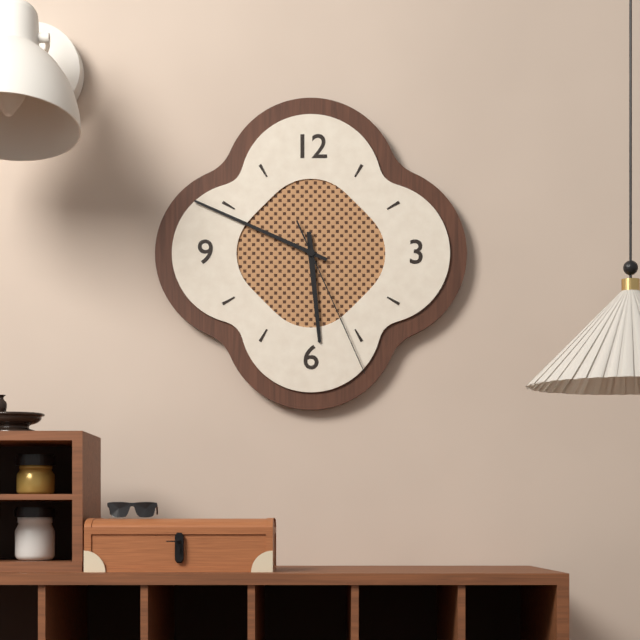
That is 5 h 49 min 26 s
